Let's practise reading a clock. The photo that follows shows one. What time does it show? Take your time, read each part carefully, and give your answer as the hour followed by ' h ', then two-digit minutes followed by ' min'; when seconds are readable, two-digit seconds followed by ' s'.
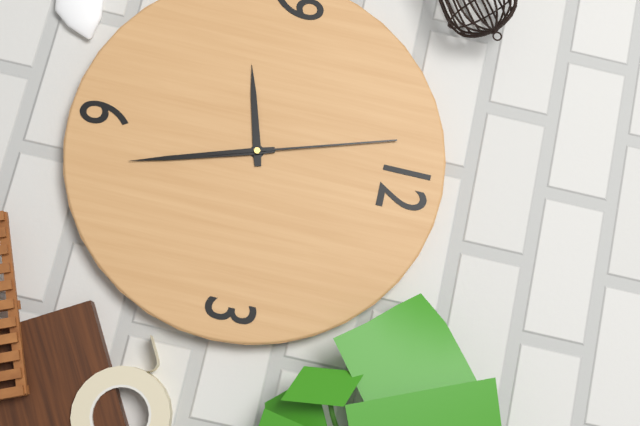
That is 8 h 27 min 57 s
